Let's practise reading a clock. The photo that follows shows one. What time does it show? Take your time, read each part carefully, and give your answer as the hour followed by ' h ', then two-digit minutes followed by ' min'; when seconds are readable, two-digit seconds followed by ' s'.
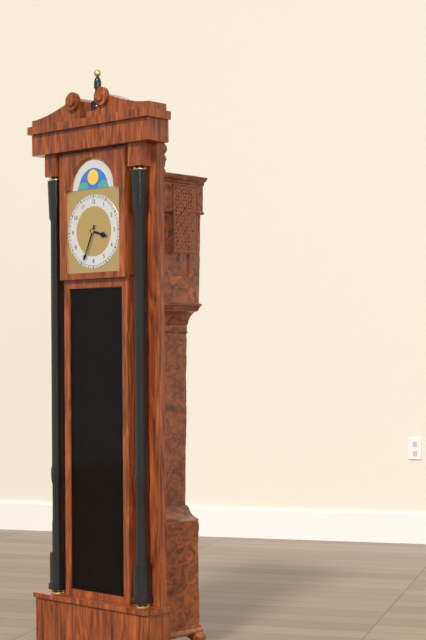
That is 3 h 34 min
